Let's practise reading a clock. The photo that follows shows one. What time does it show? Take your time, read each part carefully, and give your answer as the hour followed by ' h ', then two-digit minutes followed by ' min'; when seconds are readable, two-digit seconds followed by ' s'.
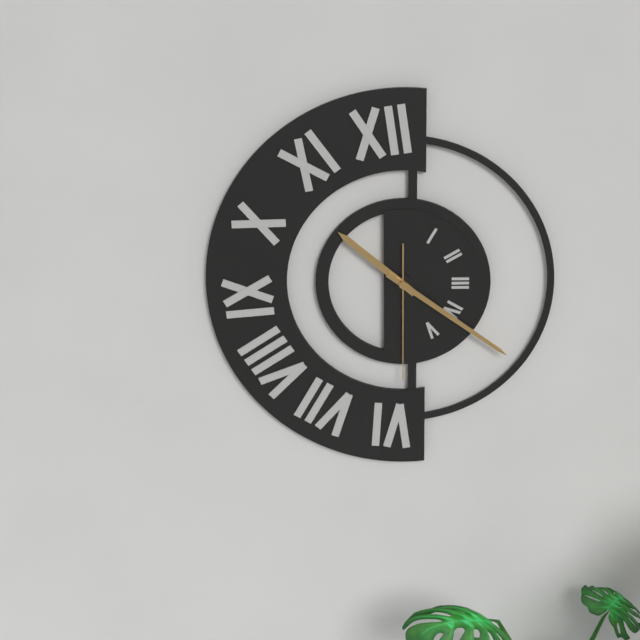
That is 10 h 21 min 30 s
